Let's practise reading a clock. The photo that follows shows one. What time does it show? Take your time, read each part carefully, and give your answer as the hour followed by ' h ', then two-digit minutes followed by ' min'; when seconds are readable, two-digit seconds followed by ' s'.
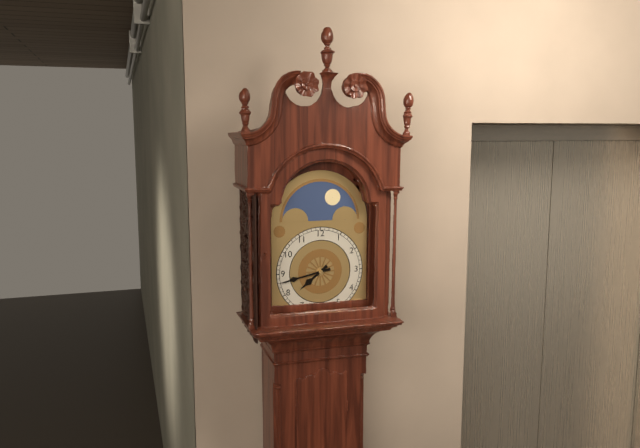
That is 7 h 43 min
